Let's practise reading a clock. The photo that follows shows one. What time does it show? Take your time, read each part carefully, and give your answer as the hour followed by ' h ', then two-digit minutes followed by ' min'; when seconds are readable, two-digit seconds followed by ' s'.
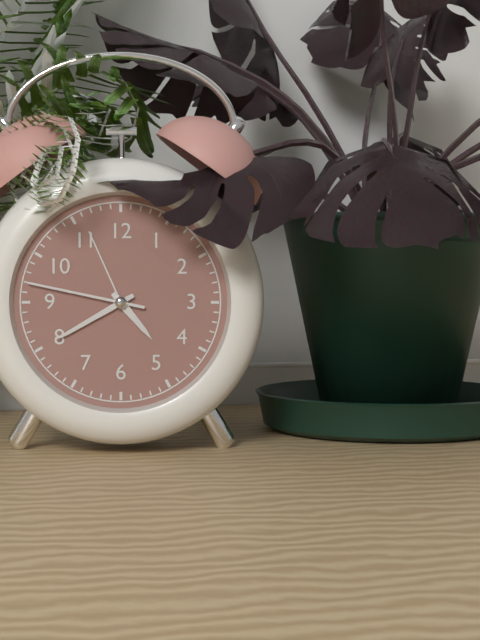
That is 4 h 40 min 47 s
